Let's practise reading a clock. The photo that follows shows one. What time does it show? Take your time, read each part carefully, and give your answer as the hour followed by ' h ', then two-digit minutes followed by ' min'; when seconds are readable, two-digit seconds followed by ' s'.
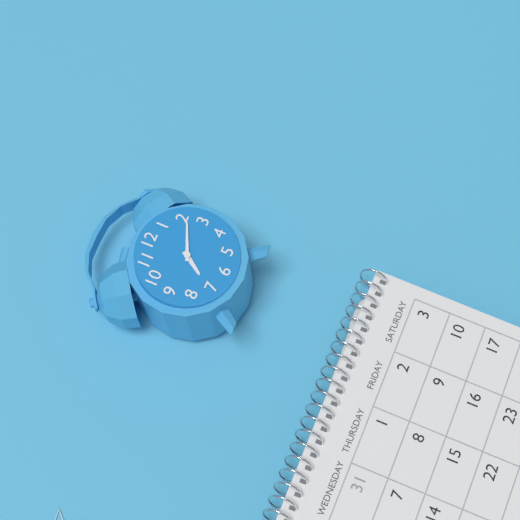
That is 7 h 11 min
